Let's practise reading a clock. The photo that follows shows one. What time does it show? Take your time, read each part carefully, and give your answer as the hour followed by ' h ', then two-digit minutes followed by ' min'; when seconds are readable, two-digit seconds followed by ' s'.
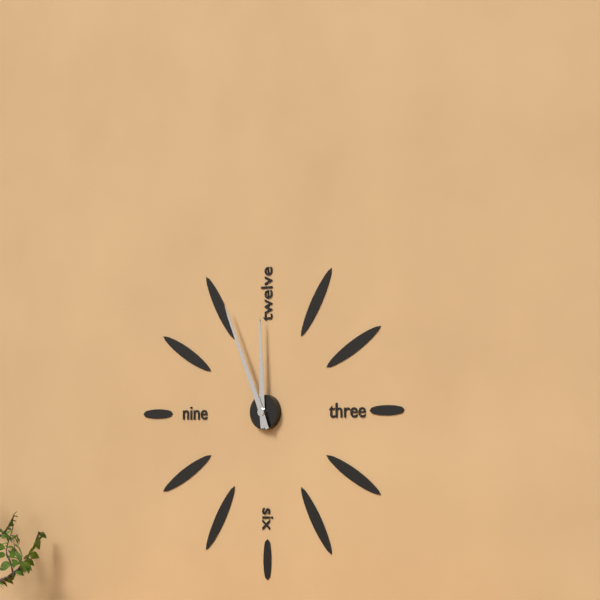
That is 11 h 56 min
